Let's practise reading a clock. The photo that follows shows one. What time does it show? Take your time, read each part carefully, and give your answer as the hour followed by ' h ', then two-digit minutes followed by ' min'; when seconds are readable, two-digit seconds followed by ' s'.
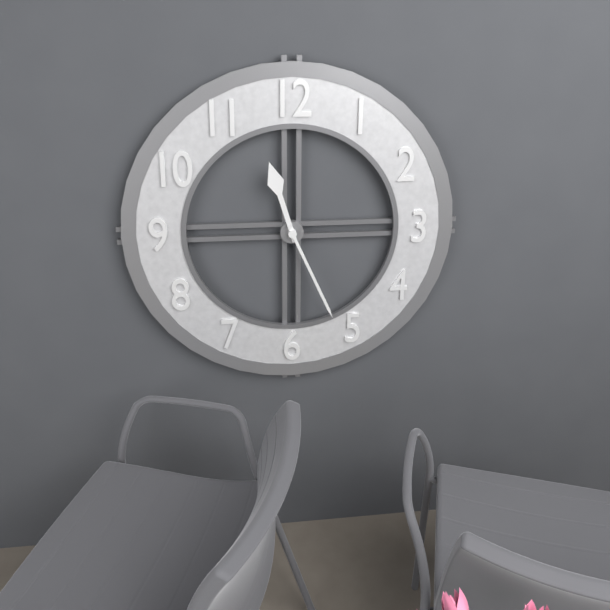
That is 11 h 26 min
